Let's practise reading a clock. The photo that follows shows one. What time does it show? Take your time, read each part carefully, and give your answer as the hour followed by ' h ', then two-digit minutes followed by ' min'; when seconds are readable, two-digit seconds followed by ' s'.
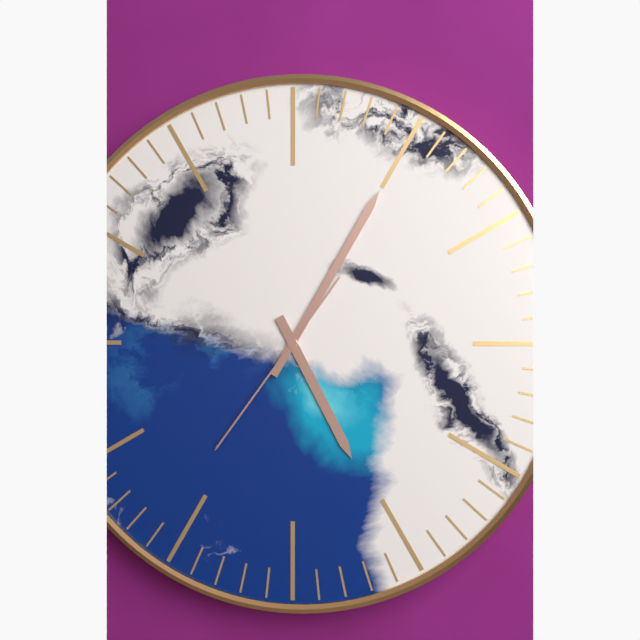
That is 5 h 05 min 36 s
